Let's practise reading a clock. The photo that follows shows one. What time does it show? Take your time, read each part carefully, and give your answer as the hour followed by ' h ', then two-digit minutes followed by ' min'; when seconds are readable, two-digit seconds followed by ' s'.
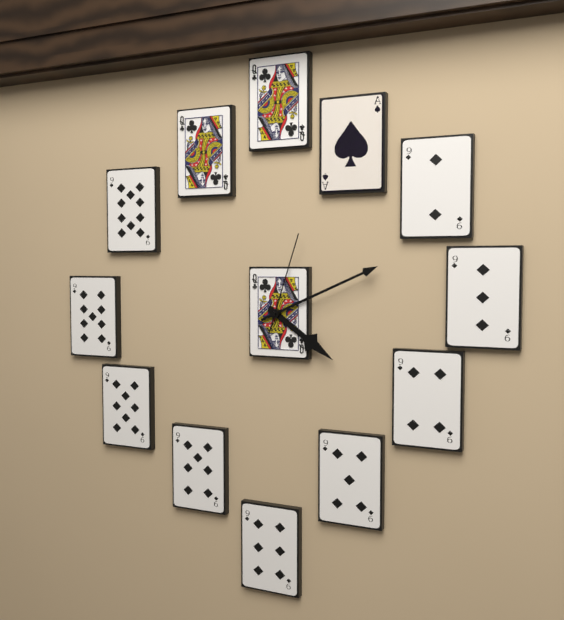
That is 4 h 11 min 03 s
